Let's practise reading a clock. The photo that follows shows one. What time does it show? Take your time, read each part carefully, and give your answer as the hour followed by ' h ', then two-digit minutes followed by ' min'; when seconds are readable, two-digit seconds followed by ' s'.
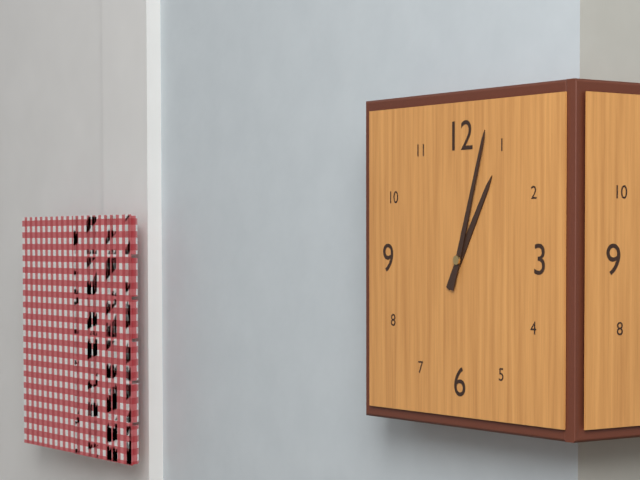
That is 1 h 03 min
